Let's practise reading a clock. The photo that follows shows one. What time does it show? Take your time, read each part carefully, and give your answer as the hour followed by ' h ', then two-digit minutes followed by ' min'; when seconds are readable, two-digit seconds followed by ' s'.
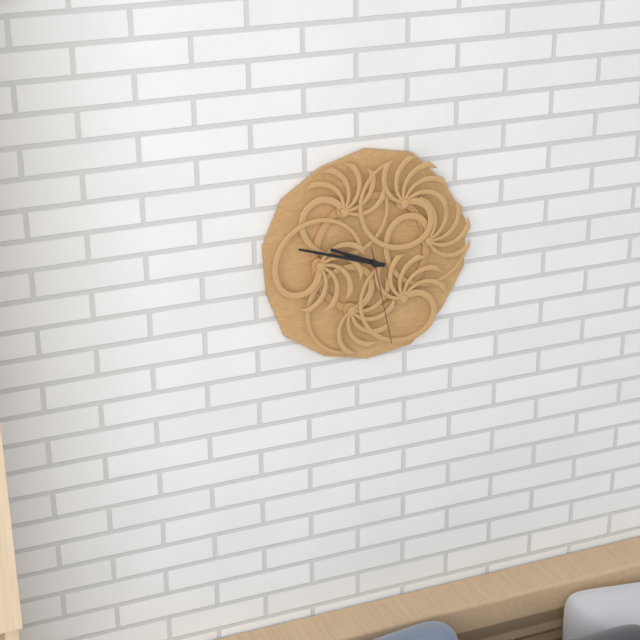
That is 9 h 48 min 28 s
